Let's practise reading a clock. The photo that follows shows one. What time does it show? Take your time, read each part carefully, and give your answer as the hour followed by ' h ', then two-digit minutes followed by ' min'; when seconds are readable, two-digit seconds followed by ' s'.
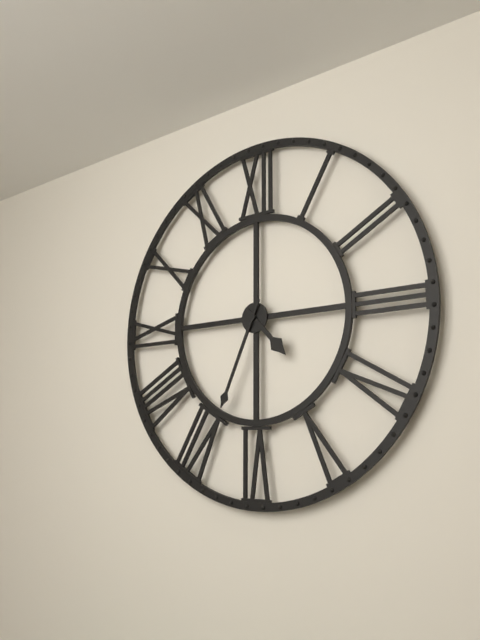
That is 4 h 34 min
